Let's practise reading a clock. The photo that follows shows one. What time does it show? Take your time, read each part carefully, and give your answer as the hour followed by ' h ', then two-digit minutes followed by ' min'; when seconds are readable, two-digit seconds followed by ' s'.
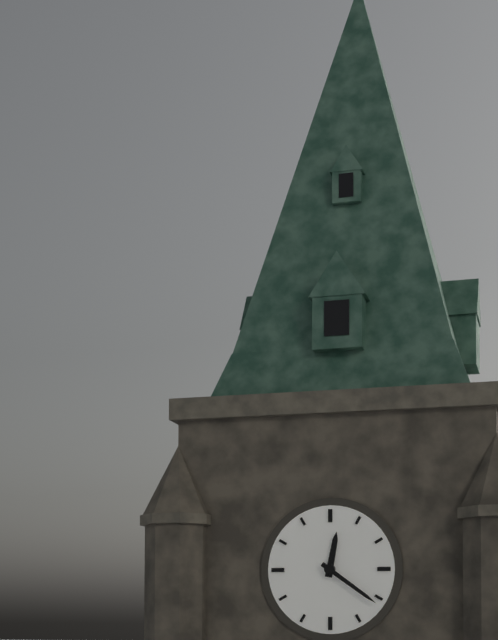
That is 12 h 21 min
